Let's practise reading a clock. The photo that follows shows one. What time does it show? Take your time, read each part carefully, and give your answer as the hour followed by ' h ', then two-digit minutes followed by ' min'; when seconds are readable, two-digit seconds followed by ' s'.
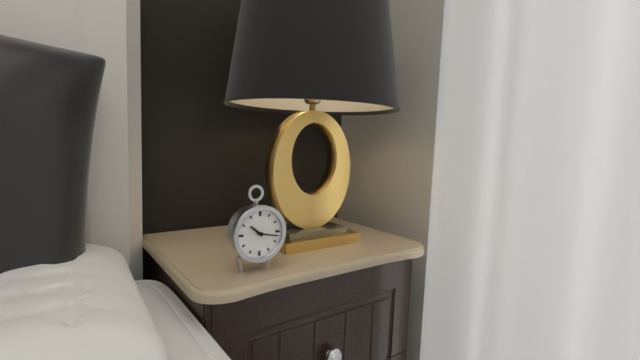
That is 10 h 17 min
